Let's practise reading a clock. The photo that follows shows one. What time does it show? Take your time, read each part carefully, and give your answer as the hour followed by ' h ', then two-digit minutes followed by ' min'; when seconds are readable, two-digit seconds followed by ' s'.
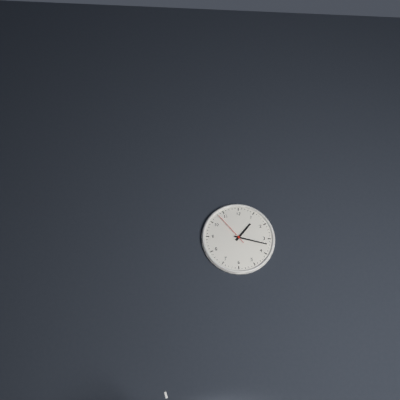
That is 1 h 17 min
